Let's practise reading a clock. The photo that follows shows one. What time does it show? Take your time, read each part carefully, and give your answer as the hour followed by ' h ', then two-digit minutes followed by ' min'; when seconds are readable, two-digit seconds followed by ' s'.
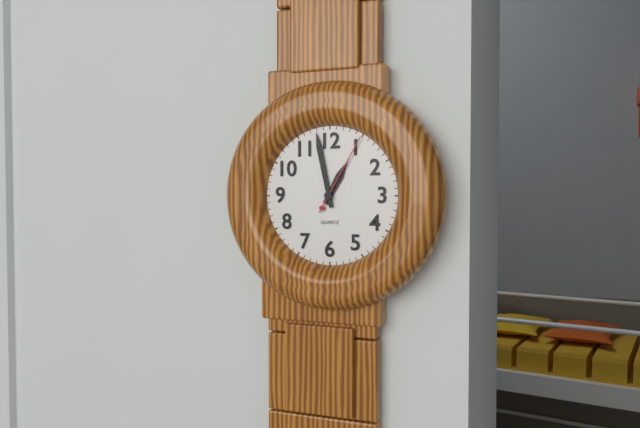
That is 12 h 58 min 05 s
